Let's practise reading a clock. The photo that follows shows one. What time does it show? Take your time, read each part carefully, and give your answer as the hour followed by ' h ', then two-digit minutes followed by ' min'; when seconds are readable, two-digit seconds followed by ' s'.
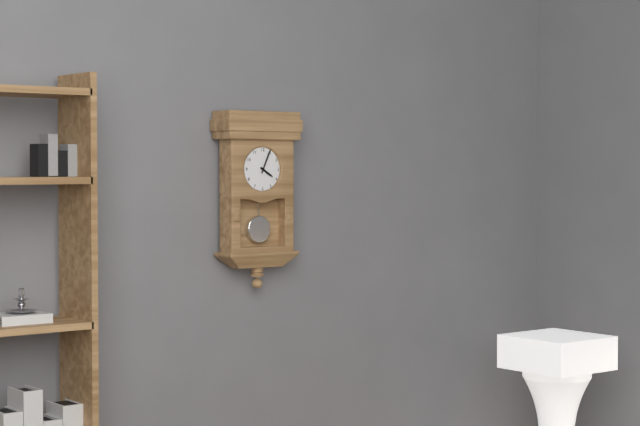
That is 4 h 04 min
